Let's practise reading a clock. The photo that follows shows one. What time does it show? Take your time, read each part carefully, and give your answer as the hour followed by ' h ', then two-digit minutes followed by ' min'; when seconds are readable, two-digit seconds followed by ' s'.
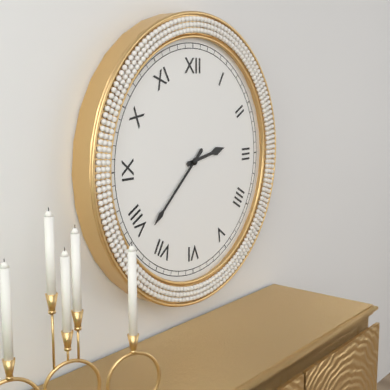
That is 2 h 38 min
